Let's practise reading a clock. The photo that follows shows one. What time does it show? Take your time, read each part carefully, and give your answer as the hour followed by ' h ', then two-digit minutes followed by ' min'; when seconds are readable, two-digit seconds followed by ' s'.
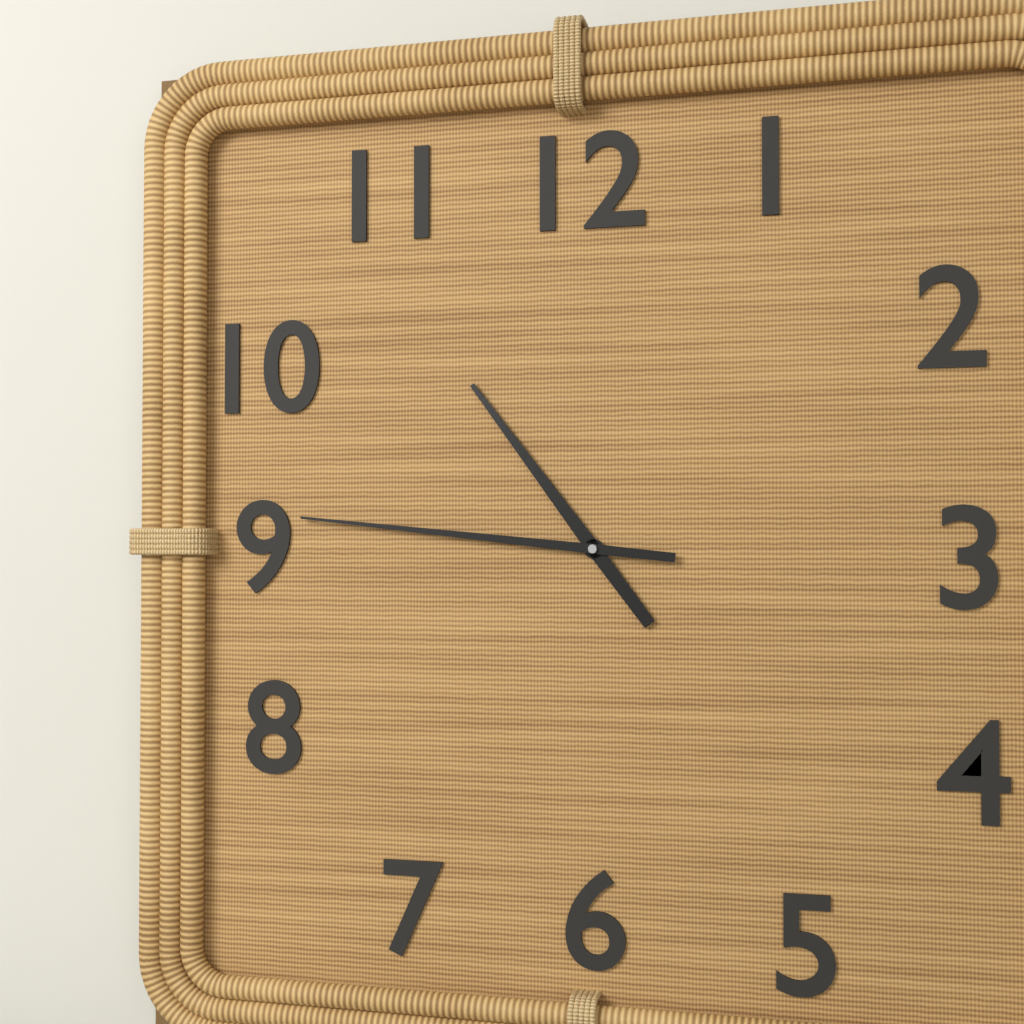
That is 10 h 46 min
